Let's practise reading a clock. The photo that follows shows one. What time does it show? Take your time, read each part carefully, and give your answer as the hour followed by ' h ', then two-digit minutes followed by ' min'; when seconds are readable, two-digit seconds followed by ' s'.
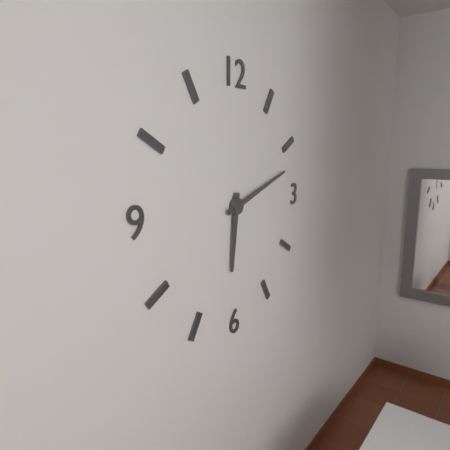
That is 6 h 12 min
